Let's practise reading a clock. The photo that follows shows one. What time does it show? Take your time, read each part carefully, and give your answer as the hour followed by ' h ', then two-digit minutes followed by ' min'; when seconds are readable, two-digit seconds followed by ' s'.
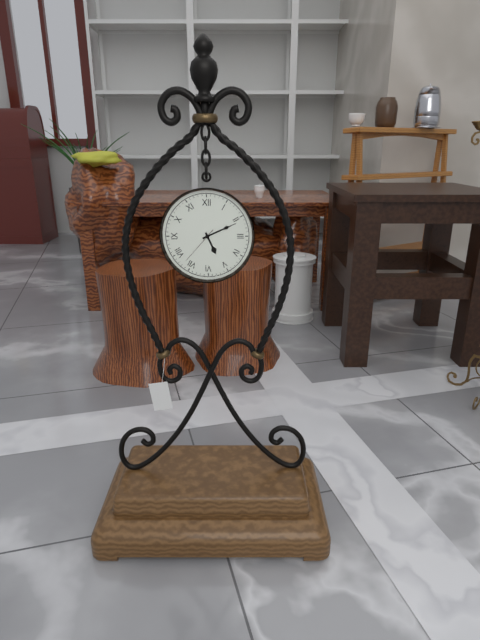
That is 5 h 11 min
